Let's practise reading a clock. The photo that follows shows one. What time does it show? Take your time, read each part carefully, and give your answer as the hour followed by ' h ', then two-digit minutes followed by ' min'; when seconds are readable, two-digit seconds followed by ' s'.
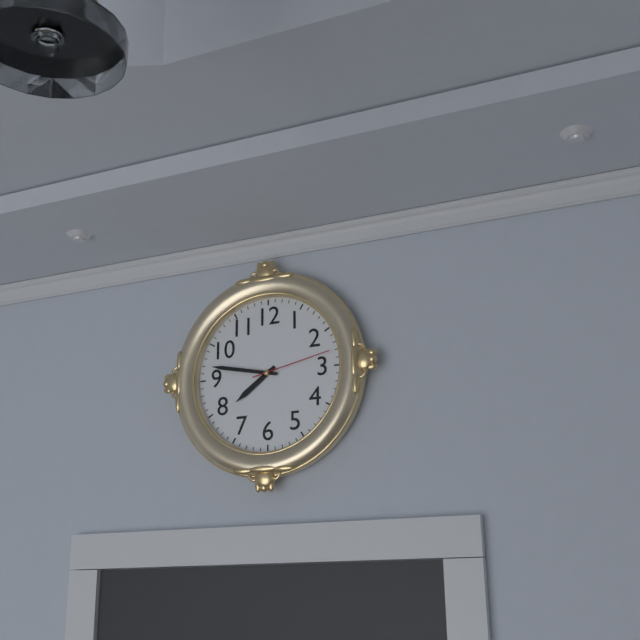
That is 7 h 47 min 13 s
